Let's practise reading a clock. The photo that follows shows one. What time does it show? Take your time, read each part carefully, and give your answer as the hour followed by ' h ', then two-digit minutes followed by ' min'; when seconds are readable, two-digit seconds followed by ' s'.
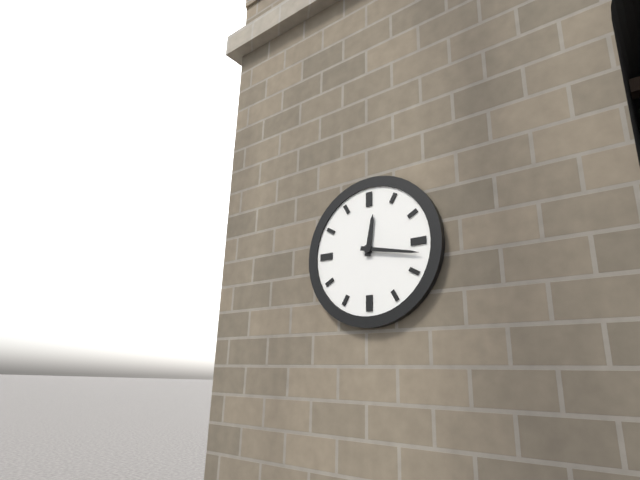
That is 12 h 17 min
